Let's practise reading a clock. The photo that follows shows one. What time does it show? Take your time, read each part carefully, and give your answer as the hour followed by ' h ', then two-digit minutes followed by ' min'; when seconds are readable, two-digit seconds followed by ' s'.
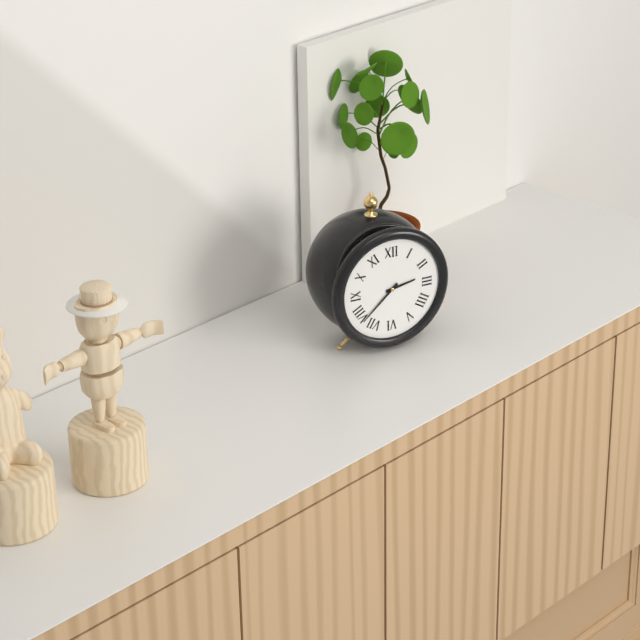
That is 2 h 38 min
